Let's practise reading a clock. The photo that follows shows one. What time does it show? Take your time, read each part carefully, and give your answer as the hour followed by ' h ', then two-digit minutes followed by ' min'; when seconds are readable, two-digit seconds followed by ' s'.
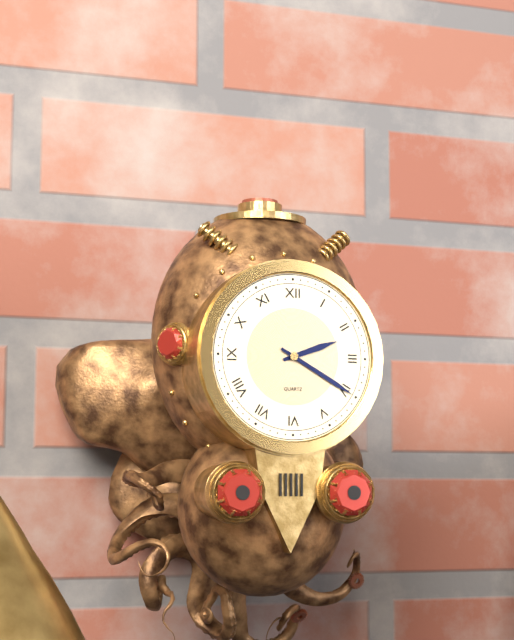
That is 2 h 20 min
